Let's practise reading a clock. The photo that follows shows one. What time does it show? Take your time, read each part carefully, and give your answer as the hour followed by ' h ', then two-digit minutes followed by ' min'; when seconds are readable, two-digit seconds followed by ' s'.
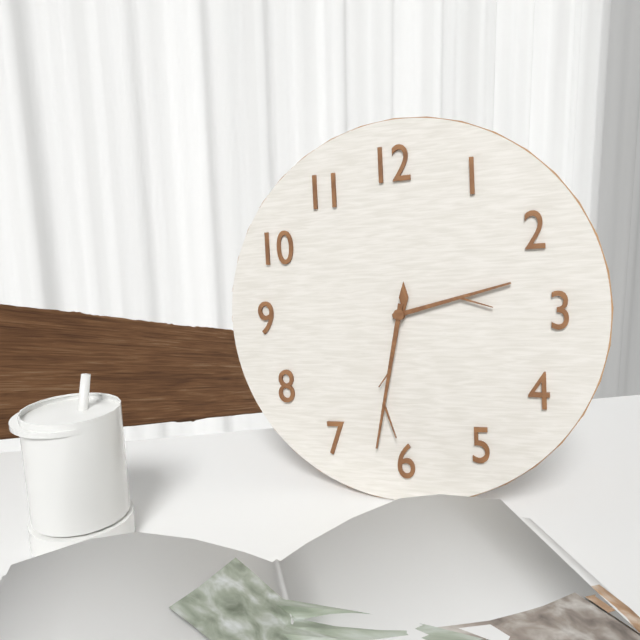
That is 2 h 32 min
